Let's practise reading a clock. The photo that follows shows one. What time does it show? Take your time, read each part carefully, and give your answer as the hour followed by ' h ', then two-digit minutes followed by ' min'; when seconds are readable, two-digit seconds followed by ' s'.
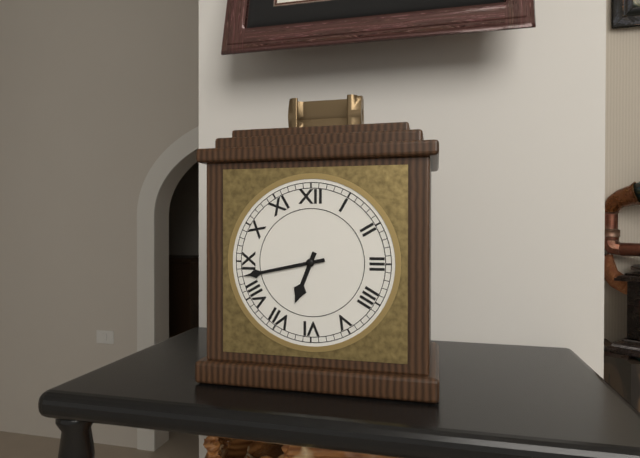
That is 6 h 43 min
